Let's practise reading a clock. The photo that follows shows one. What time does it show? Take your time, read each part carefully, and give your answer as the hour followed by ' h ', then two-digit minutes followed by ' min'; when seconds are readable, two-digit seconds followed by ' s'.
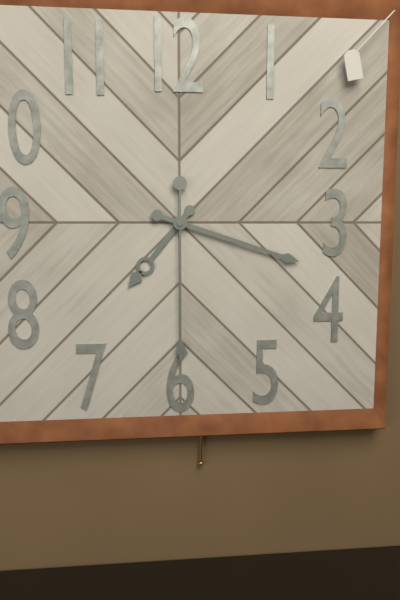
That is 7 h 18 min 30 s
